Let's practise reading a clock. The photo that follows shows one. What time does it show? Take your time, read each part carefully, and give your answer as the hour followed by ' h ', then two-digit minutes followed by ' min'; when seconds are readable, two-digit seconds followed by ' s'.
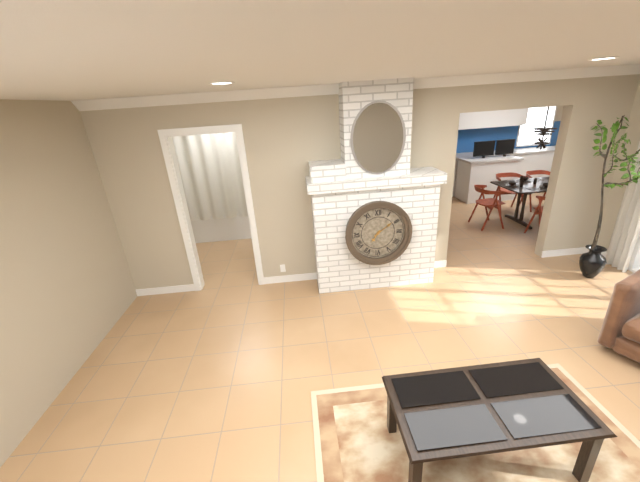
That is 7 h 09 min
